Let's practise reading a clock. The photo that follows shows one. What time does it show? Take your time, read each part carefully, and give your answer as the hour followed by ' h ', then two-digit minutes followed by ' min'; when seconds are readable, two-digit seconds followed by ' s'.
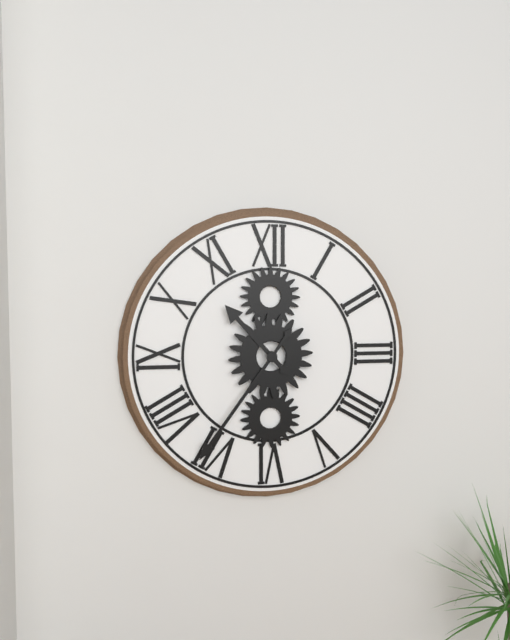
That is 10 h 36 min
